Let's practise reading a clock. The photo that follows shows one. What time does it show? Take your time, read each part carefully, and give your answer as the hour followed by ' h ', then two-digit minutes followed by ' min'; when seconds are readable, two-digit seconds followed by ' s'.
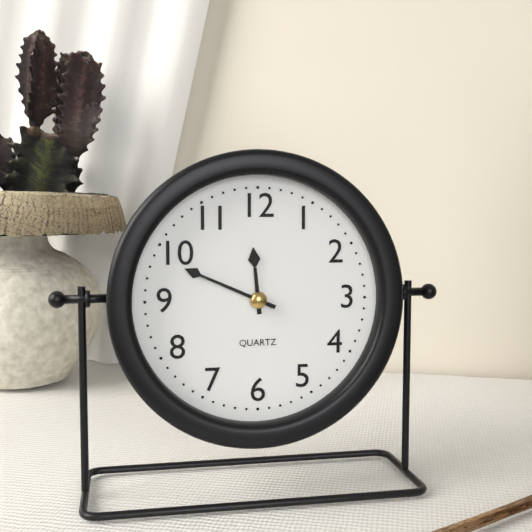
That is 11 h 49 min
